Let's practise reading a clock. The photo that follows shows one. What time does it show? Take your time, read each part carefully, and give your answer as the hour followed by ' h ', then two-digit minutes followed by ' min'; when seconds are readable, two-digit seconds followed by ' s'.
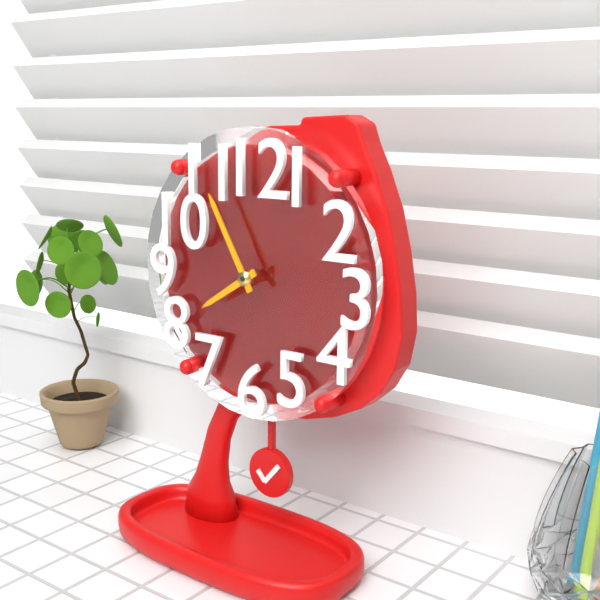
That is 7 h 55 min
